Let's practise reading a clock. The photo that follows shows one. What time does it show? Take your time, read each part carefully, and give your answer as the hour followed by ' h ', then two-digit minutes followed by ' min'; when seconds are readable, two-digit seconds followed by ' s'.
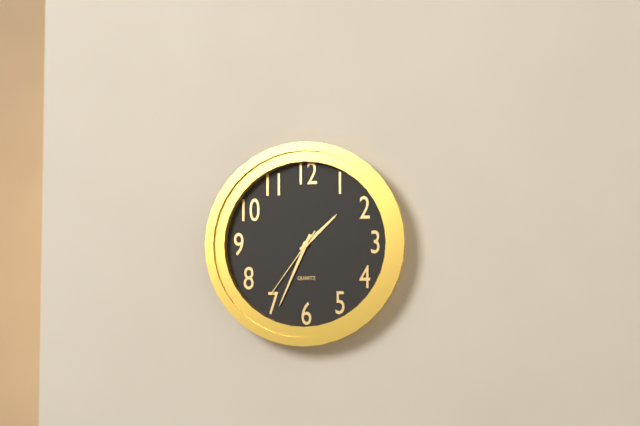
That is 1 h 34 min 36 s
